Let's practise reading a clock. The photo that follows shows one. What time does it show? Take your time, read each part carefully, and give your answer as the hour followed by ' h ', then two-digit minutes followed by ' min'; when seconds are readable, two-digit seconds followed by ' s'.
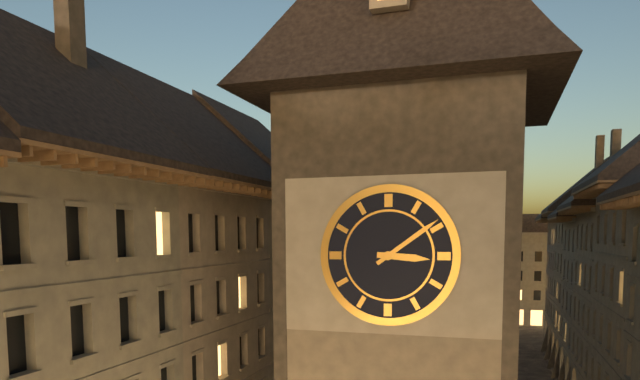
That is 3 h 09 min
